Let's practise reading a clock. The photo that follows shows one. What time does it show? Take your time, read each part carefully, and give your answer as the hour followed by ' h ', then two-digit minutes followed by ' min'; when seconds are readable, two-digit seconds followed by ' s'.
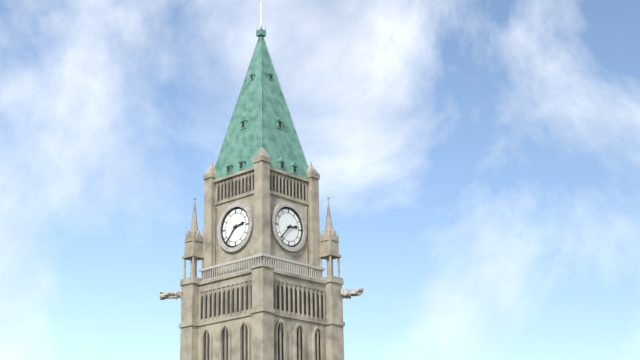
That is 2 h 37 min
